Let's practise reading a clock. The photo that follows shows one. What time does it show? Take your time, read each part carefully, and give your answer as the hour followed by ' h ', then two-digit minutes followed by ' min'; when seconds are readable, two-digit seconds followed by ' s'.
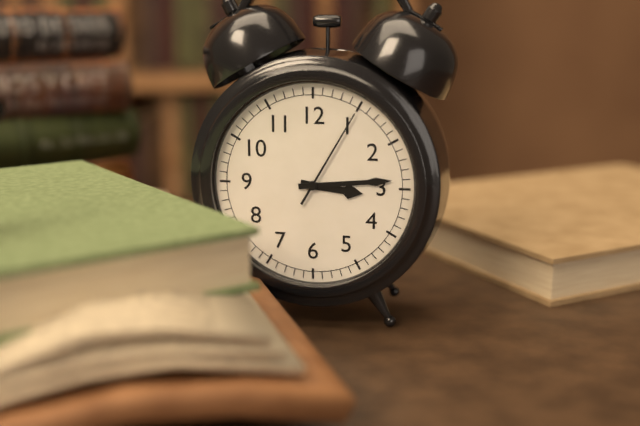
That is 3 h 14 min 05 s
